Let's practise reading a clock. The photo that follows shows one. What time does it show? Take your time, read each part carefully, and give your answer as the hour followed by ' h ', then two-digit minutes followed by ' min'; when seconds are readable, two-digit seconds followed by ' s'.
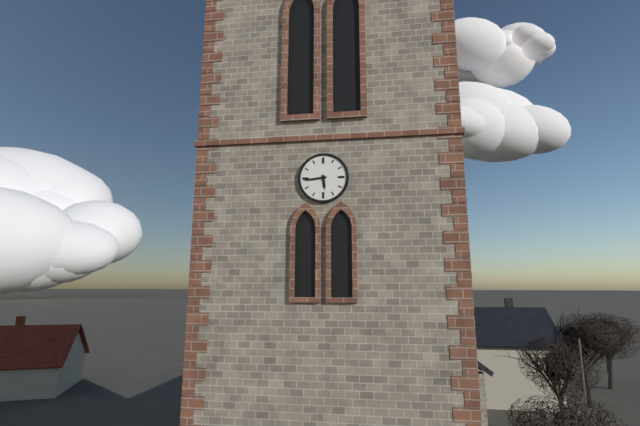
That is 5 h 44 min
